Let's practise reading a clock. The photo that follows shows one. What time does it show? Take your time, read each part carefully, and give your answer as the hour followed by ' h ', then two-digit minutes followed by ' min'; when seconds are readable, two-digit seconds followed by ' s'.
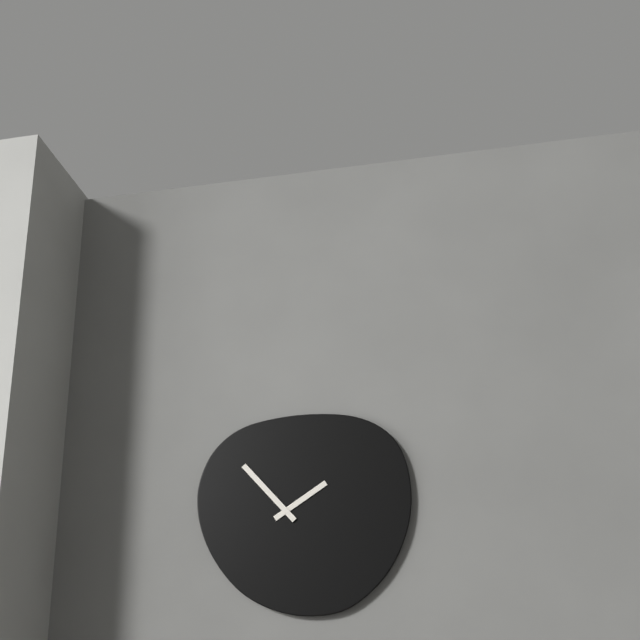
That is 1 h 53 min
